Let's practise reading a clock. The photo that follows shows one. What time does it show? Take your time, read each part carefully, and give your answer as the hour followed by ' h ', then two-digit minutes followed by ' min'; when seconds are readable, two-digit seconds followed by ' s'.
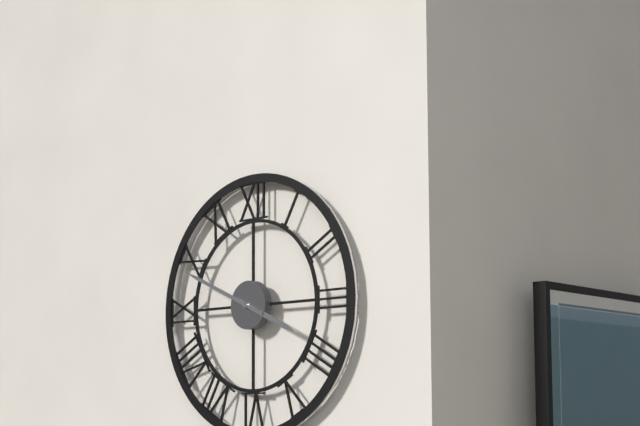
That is 3 h 49 min
